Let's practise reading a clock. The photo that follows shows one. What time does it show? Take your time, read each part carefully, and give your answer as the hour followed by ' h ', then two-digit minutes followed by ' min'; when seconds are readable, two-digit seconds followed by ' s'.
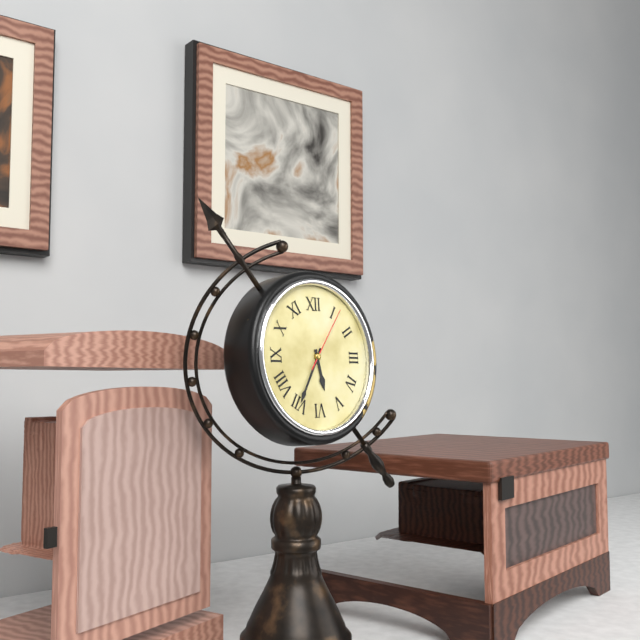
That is 5 h 35 min 06 s
